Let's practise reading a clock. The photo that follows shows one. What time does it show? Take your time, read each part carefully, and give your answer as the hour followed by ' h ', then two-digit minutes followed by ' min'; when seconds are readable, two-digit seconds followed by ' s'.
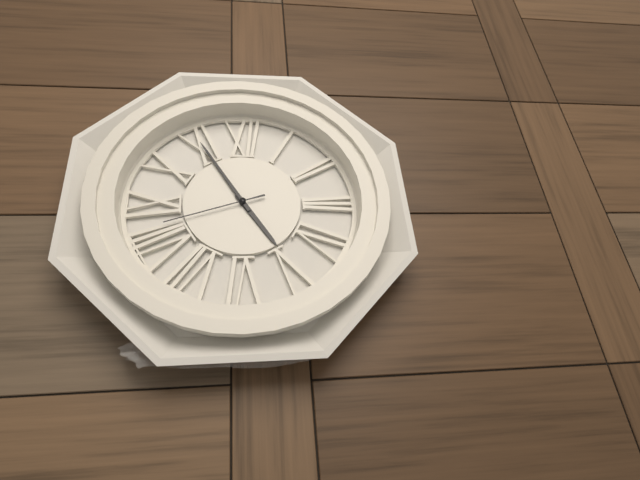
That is 4 h 55 min 42 s
